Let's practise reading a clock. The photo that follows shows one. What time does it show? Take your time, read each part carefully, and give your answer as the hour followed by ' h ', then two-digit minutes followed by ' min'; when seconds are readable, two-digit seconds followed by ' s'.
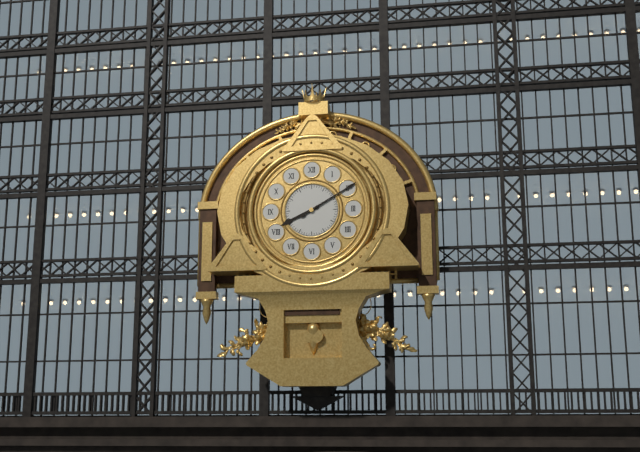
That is 8 h 10 min
